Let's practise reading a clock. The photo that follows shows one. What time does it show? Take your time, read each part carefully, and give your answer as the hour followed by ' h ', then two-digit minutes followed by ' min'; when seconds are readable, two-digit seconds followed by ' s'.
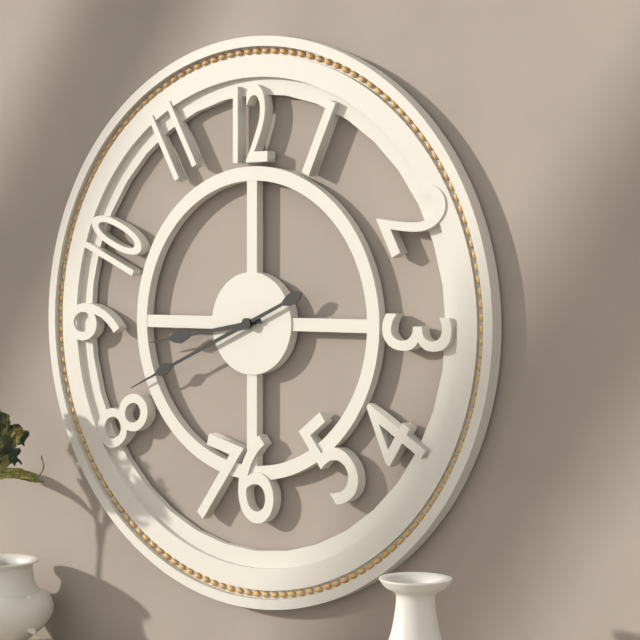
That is 8 h 41 min
